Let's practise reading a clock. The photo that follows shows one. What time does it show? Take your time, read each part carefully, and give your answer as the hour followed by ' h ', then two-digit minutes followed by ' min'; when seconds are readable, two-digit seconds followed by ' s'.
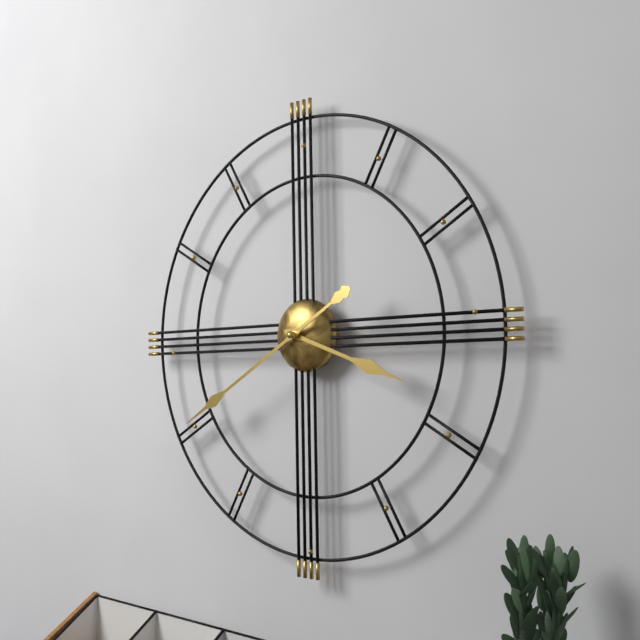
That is 3 h 40 min
